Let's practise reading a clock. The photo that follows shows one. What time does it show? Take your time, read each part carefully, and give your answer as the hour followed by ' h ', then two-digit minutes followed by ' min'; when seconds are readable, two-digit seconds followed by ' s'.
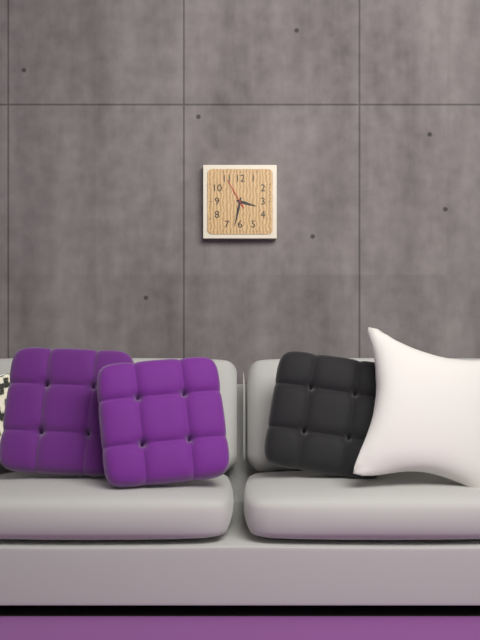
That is 3 h 32 min
